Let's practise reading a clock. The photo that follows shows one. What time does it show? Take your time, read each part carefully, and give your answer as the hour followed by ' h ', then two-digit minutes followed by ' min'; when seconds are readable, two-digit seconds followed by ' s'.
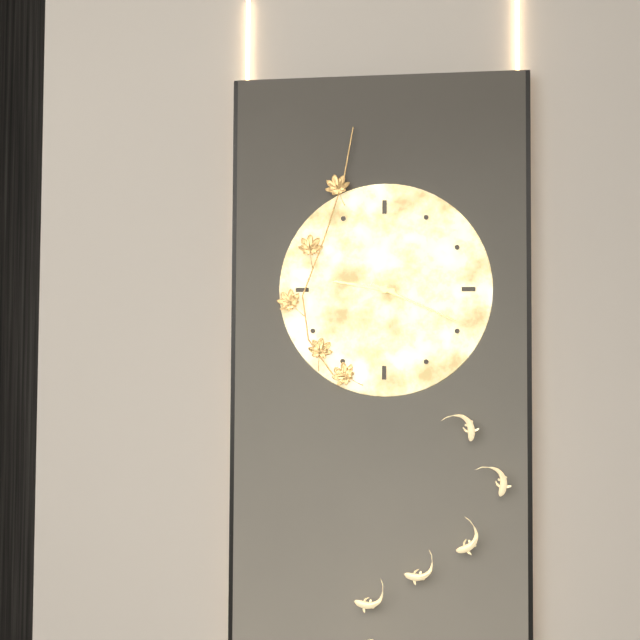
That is 9 h 19 min
